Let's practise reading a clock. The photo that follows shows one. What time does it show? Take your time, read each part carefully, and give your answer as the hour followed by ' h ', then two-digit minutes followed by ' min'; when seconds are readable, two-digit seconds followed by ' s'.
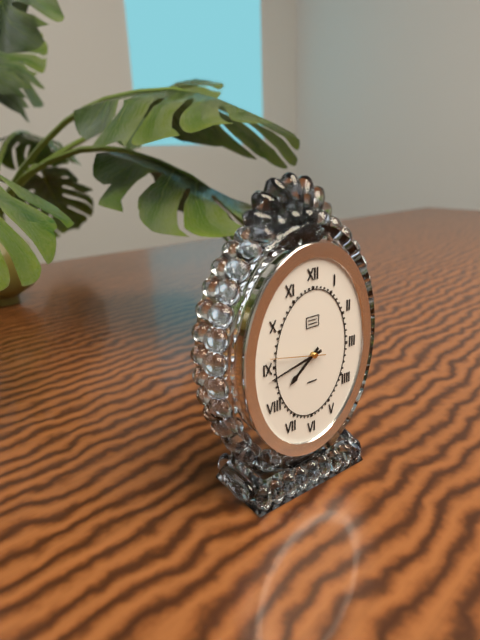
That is 7 h 43 min
